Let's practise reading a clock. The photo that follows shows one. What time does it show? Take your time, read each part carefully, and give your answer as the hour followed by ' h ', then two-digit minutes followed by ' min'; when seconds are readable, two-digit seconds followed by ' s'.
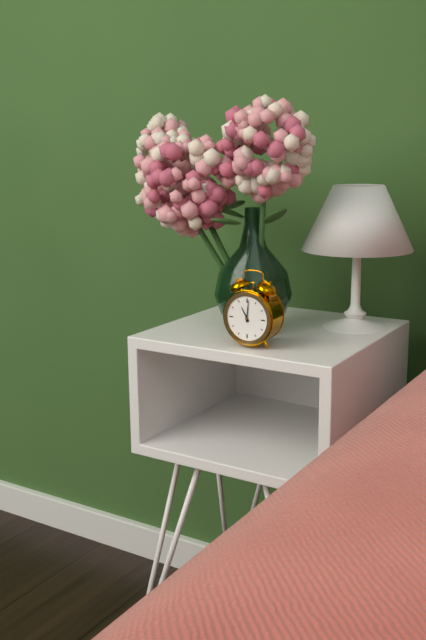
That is 11 h 01 min
